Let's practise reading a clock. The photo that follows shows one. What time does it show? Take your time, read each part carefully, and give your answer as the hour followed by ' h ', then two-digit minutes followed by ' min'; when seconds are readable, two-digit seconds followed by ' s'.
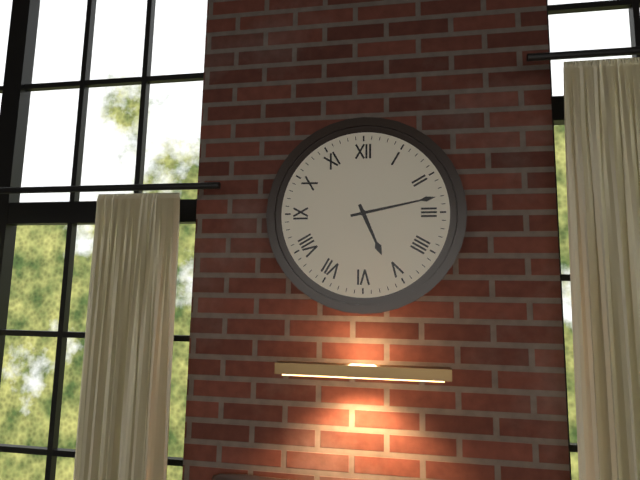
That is 5 h 13 min
